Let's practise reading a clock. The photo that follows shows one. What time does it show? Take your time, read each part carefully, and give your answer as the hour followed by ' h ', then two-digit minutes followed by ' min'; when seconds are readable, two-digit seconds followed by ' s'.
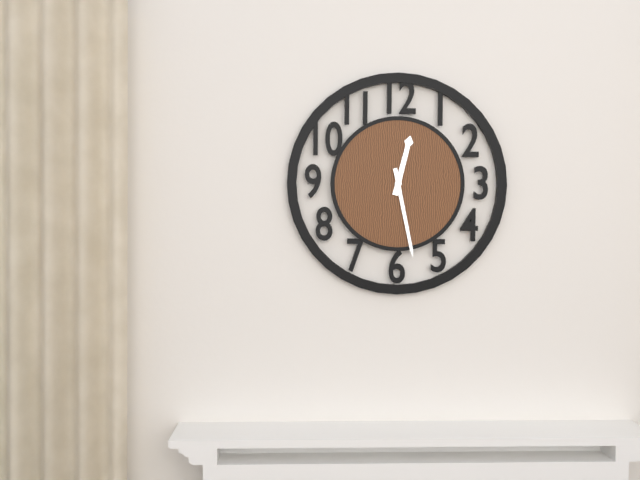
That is 12 h 28 min
